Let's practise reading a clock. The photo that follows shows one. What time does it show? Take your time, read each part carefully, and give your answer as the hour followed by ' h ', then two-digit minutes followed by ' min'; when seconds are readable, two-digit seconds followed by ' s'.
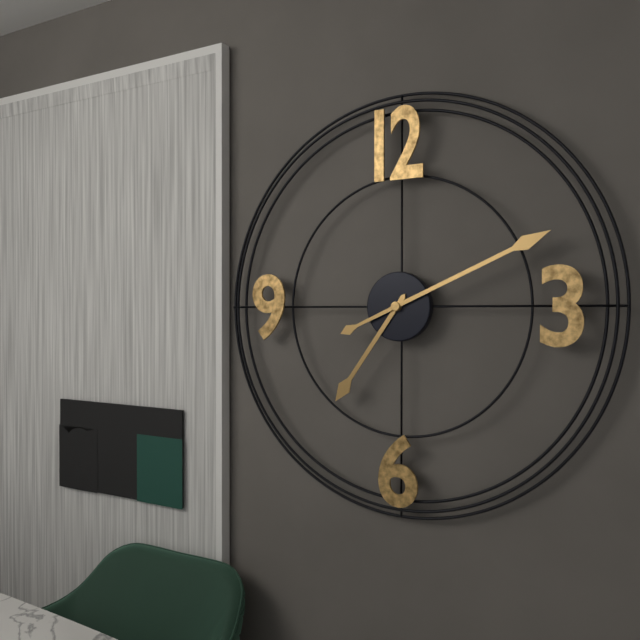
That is 7 h 11 min
